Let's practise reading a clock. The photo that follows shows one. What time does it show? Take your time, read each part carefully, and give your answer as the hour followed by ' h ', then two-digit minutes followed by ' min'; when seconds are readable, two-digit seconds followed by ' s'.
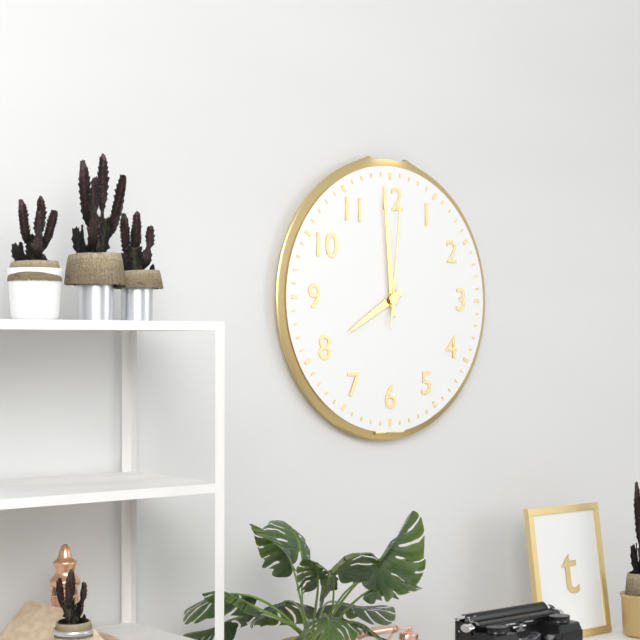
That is 7 h 59 min 01 s
